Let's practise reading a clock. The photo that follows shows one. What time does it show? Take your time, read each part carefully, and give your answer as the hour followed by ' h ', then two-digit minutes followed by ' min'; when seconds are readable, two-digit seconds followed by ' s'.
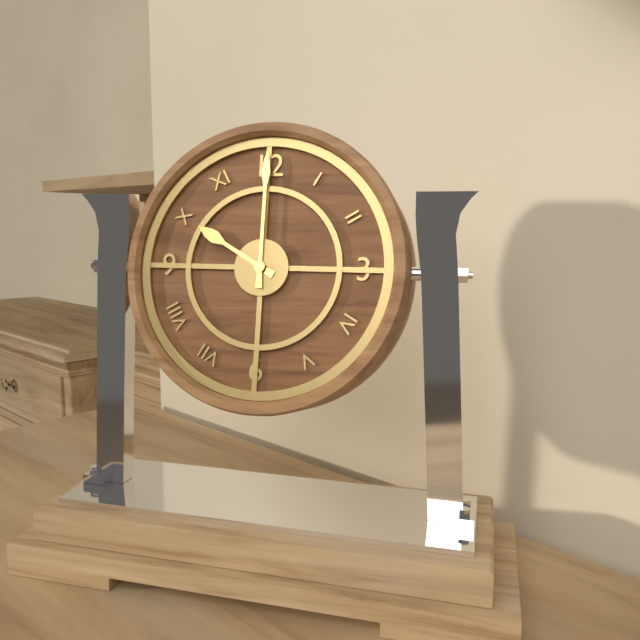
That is 10 h 00 min
